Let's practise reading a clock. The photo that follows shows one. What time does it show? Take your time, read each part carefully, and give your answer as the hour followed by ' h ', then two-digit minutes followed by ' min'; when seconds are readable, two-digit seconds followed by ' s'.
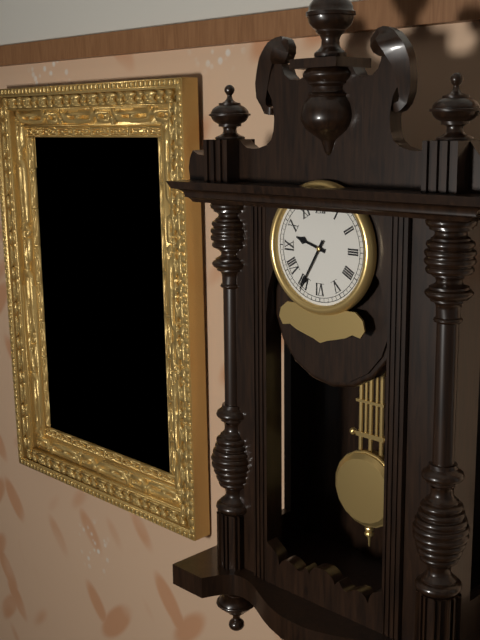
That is 9 h 35 min
